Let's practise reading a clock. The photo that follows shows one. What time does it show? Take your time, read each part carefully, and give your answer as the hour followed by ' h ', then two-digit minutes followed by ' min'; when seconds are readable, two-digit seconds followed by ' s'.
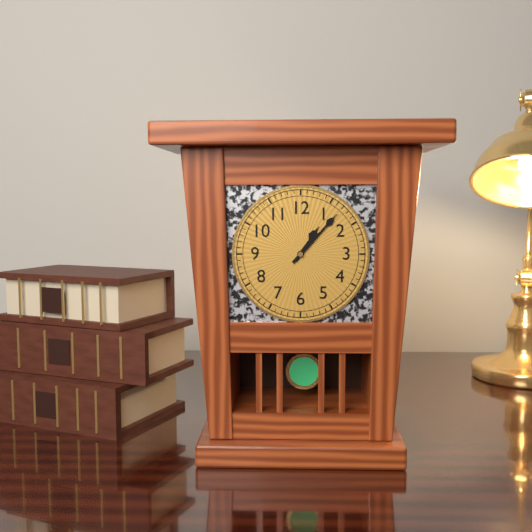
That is 1 h 07 min
